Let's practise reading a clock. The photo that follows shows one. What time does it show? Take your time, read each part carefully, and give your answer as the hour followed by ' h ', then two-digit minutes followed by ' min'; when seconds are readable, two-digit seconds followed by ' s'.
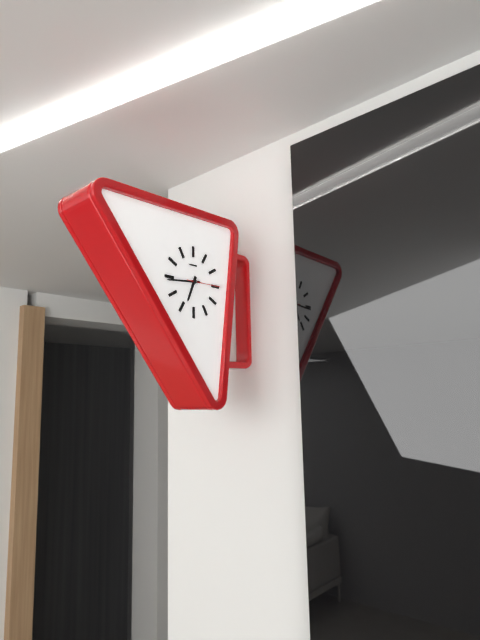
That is 6 h 44 min
